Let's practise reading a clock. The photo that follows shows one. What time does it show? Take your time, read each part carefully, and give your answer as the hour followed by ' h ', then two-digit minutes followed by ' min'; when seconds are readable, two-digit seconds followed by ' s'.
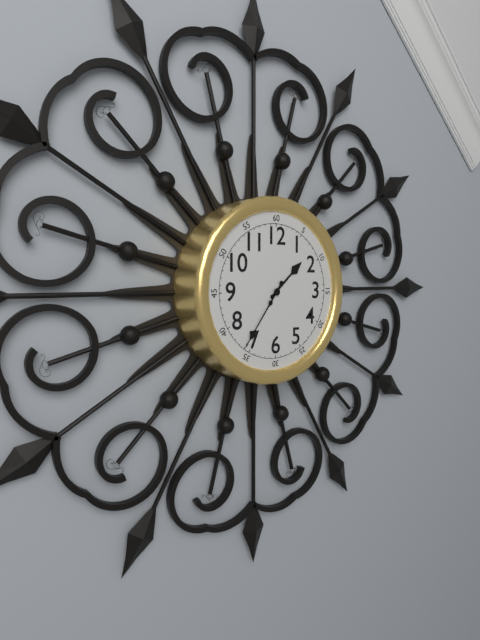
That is 1 h 36 min
